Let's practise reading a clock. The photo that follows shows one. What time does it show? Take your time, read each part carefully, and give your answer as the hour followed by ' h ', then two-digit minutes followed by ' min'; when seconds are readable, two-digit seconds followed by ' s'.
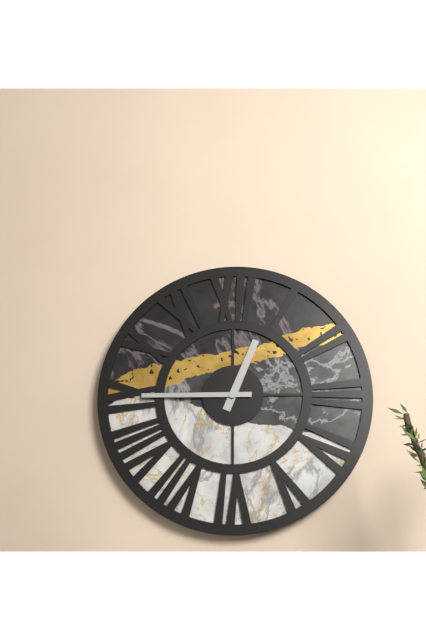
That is 12 h 45 min
